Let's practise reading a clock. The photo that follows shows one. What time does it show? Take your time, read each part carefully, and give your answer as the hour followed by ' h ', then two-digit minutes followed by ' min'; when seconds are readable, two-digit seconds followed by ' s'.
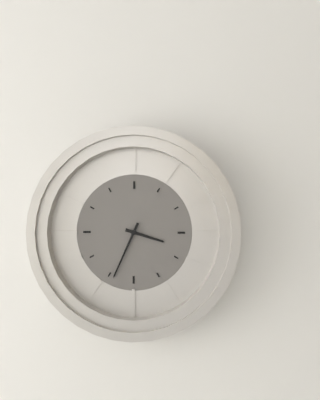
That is 3 h 34 min
